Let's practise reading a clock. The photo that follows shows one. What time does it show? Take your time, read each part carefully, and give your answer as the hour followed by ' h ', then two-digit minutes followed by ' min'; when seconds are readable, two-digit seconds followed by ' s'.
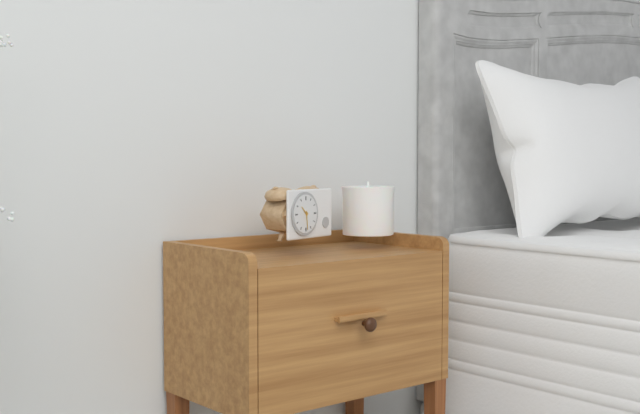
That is 10 h 29 min
